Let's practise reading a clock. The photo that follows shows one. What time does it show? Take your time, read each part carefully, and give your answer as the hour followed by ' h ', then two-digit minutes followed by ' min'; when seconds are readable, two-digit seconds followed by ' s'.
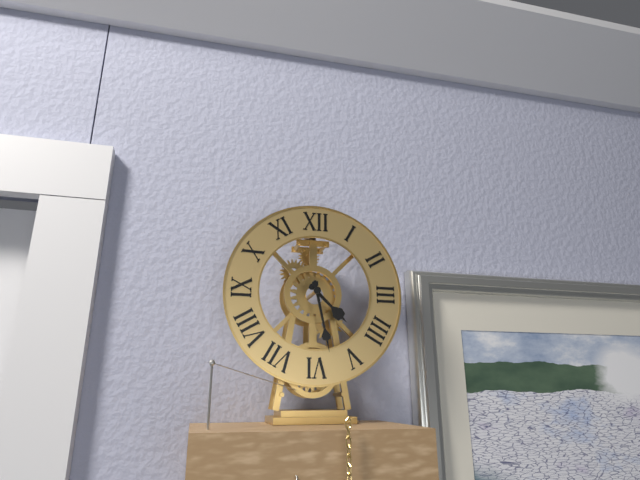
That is 4 h 28 min
